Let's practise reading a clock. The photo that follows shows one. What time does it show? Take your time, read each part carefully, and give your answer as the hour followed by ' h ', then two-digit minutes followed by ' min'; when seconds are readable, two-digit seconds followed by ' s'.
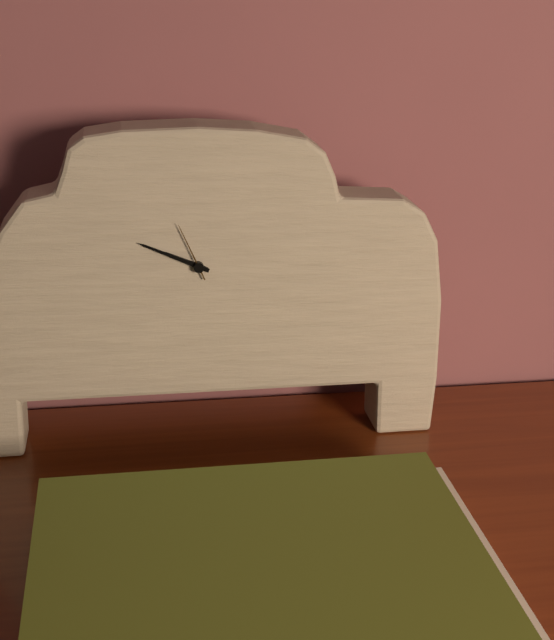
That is 9 h 49 min 56 s
